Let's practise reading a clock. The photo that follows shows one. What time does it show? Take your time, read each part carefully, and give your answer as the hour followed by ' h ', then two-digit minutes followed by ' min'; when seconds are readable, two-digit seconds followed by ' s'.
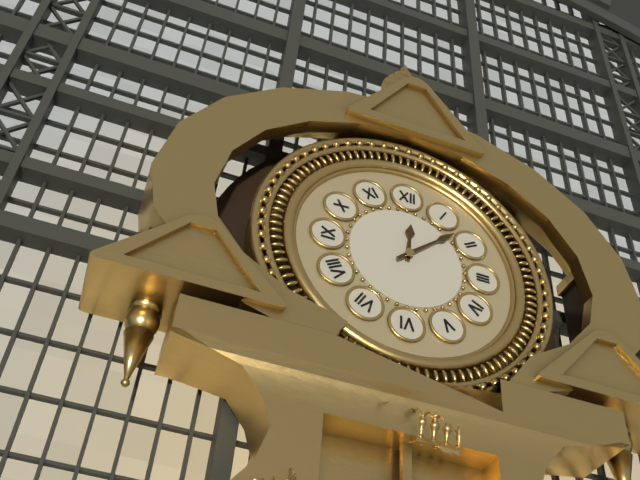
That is 12 h 08 min
